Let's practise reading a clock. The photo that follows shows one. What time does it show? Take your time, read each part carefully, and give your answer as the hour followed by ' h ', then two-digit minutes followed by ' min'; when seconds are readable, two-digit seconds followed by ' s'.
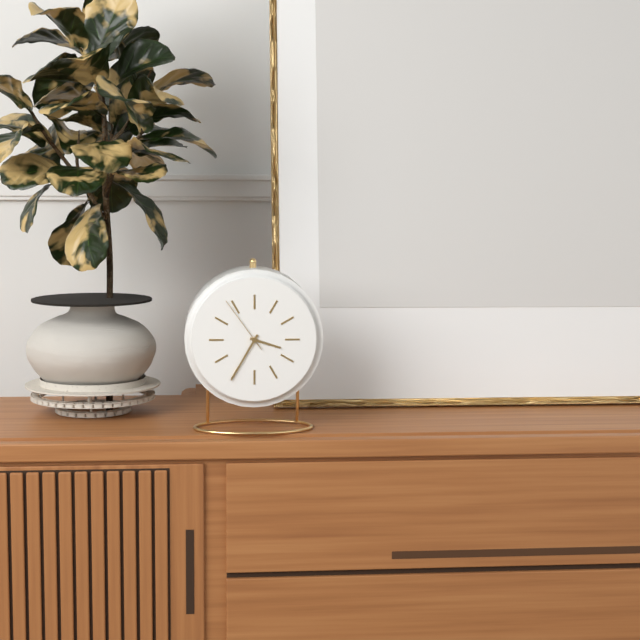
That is 3 h 35 min 54 s
